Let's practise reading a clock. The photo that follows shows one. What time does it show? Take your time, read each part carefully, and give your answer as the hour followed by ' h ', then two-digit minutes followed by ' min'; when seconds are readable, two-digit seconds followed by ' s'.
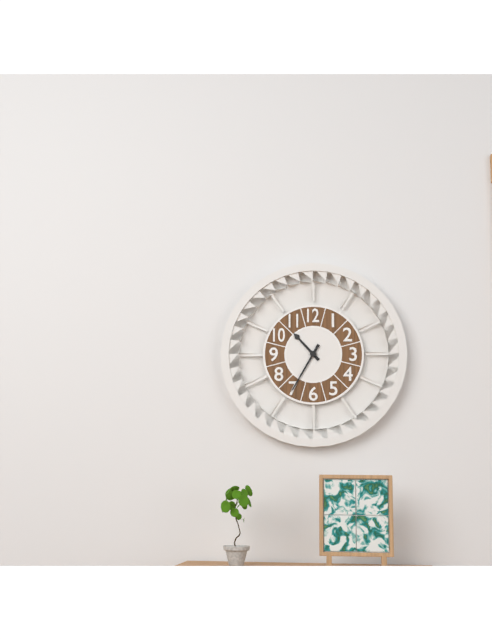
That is 10 h 35 min
